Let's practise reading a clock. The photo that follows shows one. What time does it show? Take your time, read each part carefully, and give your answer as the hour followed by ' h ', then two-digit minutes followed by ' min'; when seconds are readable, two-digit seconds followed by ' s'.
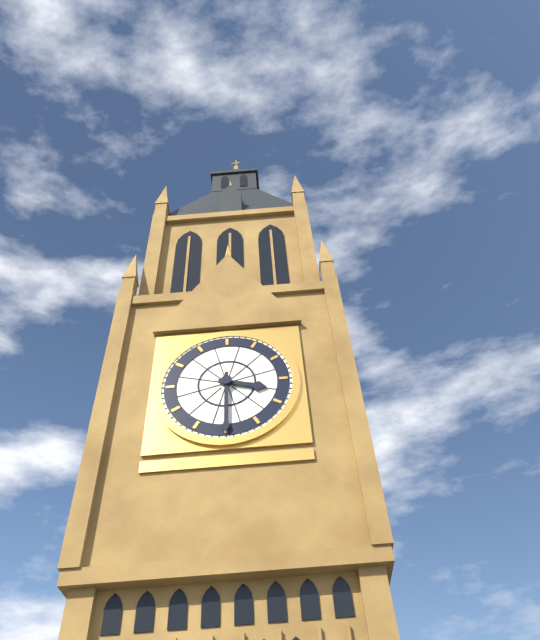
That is 3 h 30 min
